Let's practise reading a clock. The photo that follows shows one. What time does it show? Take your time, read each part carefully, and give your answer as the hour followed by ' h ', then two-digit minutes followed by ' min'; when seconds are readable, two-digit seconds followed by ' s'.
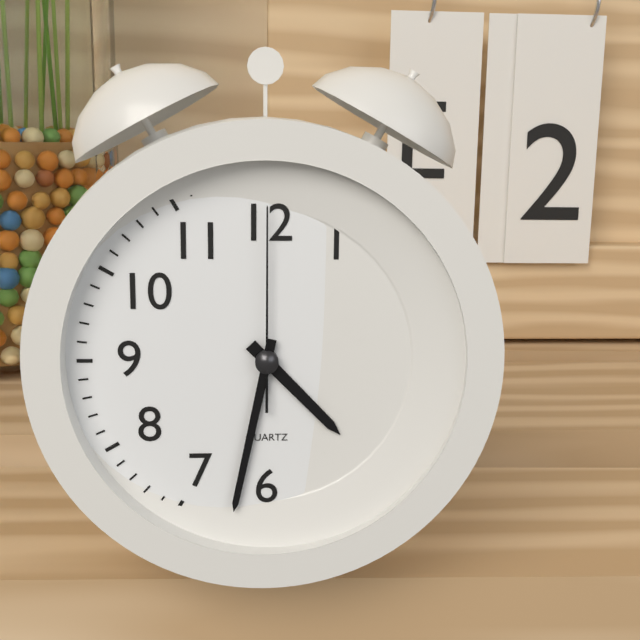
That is 4 h 32 min 00 s
